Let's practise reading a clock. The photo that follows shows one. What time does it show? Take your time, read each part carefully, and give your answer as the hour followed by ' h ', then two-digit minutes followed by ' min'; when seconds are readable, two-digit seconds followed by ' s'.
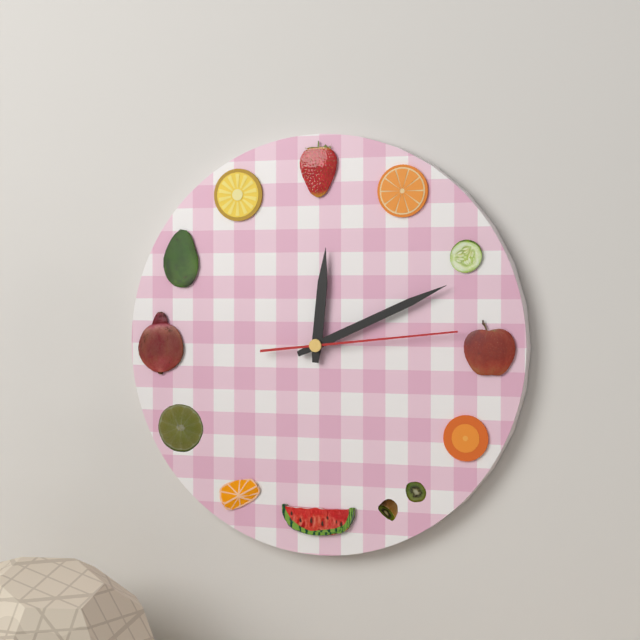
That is 12 h 11 min 14 s
